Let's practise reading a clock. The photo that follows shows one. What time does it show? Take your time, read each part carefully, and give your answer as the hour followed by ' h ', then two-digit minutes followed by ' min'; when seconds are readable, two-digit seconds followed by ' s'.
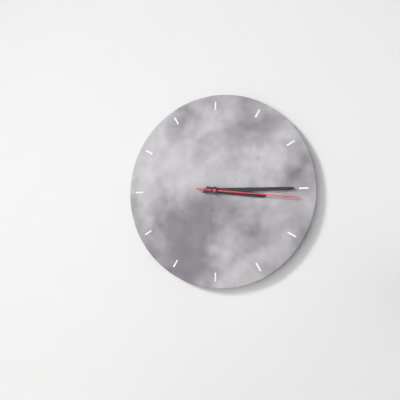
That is 3 h 15 min 16 s
